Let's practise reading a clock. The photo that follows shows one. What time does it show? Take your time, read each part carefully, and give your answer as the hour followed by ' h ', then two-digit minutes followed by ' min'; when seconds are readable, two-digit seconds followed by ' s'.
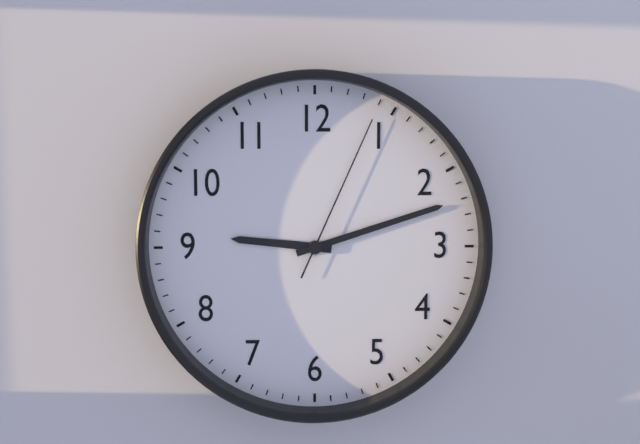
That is 9 h 12 min 04 s
